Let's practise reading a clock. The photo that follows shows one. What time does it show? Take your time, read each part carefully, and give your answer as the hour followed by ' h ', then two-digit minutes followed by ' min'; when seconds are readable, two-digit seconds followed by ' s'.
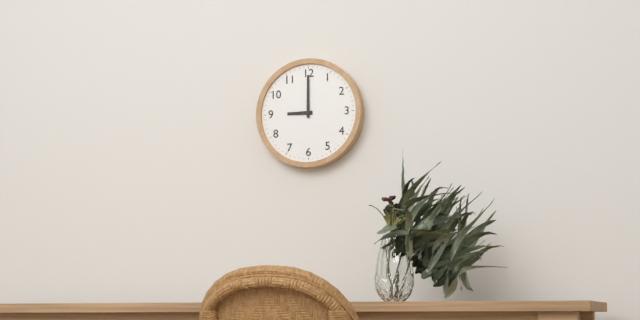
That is 9 h 00 min
